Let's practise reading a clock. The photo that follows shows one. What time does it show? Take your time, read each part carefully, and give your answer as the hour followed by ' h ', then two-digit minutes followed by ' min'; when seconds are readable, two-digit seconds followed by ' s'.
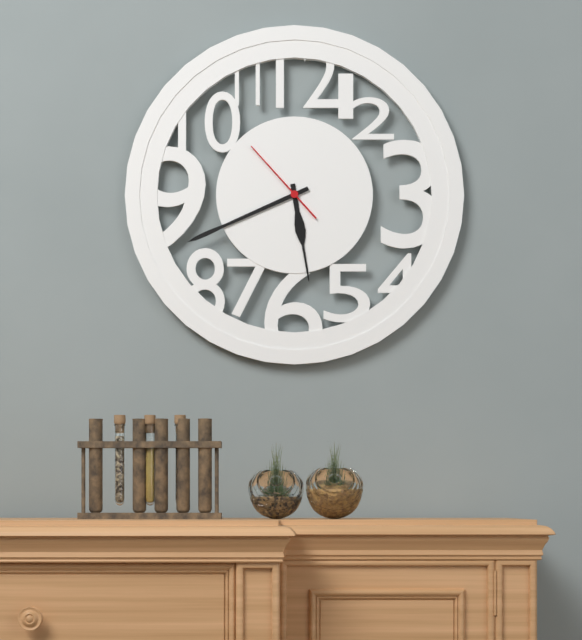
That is 5 h 41 min 53 s
